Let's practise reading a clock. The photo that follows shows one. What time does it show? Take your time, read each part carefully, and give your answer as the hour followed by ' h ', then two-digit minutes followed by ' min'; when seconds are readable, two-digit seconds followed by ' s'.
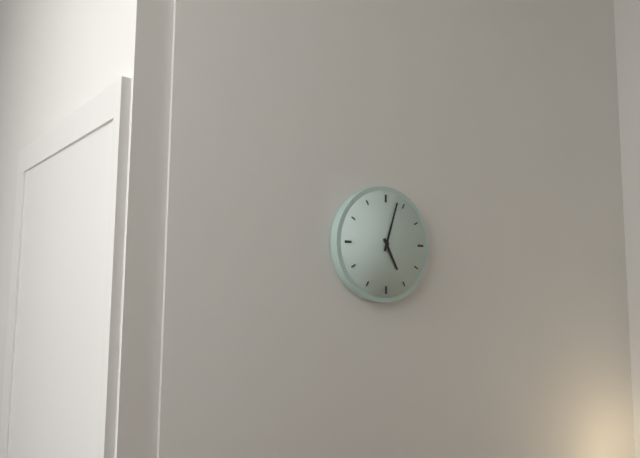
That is 5 h 03 min
